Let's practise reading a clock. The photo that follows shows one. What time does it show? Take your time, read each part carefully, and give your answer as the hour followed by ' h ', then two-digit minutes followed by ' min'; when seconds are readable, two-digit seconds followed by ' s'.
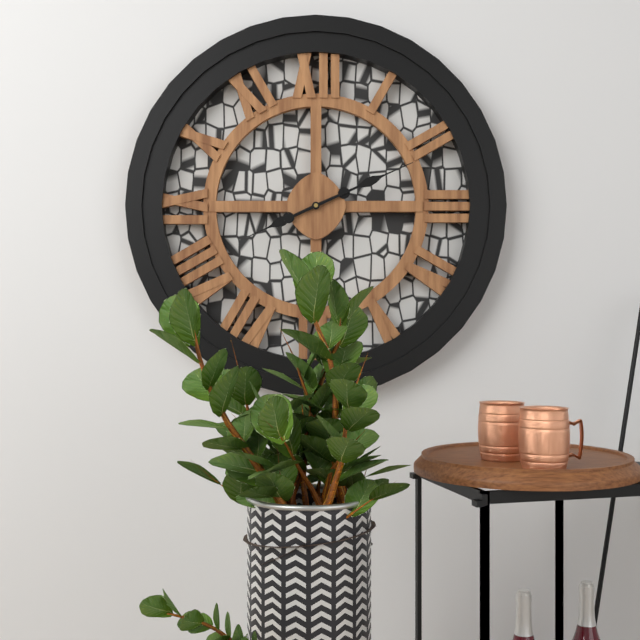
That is 8 h 11 min
